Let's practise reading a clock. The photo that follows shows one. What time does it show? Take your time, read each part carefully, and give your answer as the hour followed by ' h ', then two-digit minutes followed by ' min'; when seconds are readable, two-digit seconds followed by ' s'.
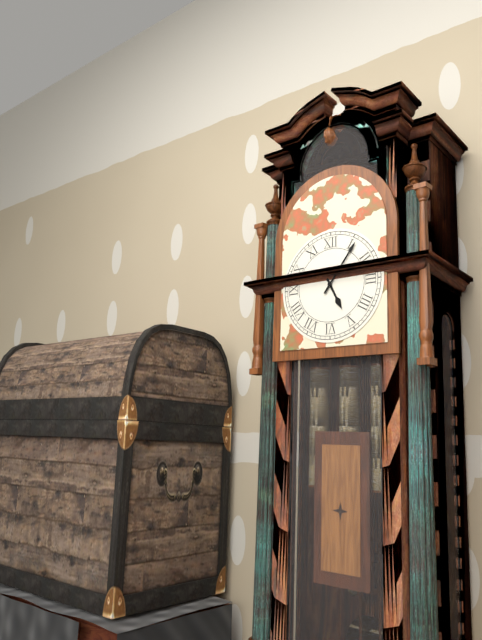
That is 5 h 06 min
